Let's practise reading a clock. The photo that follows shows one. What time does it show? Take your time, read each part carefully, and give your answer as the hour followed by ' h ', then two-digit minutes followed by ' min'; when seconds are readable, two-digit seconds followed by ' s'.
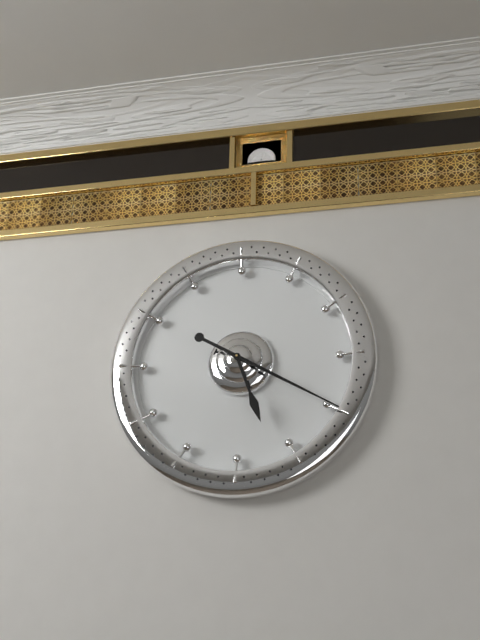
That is 5 h 20 min
